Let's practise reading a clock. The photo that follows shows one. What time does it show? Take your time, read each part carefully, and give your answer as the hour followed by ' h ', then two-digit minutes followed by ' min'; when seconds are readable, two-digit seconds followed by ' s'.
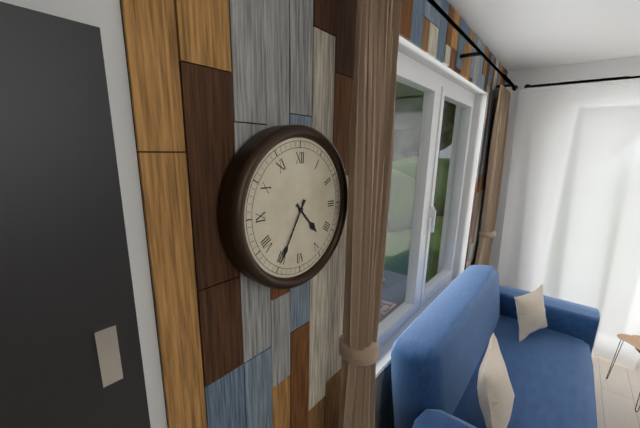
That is 4 h 35 min
